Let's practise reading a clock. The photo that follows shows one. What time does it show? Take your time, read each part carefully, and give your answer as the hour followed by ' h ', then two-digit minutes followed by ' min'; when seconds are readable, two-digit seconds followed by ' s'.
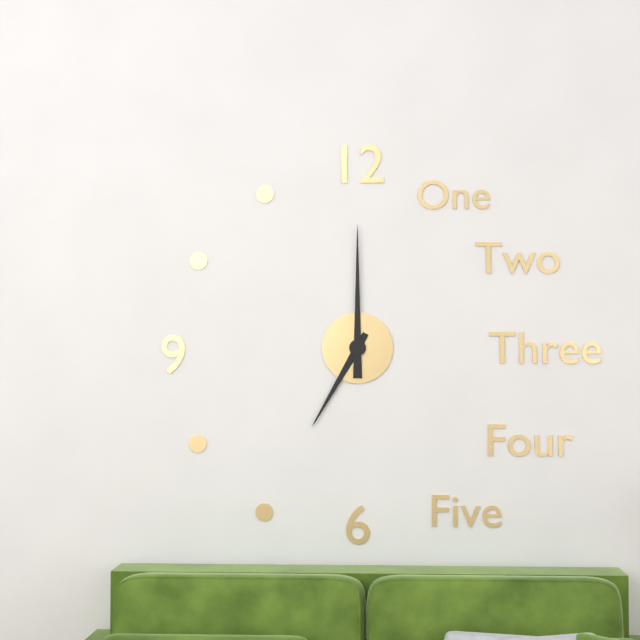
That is 7 h 00 min
